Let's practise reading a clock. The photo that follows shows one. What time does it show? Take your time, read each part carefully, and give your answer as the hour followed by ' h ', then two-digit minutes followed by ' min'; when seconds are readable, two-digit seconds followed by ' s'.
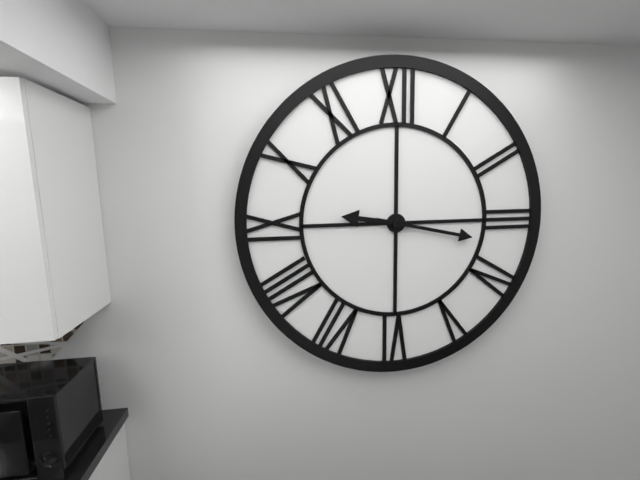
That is 9 h 17 min
